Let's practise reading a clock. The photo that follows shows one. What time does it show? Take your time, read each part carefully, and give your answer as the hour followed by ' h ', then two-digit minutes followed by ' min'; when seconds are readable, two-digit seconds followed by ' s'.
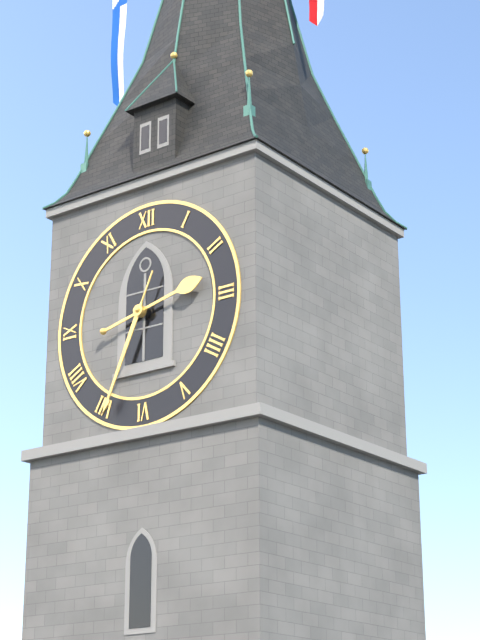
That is 2 h 34 min
